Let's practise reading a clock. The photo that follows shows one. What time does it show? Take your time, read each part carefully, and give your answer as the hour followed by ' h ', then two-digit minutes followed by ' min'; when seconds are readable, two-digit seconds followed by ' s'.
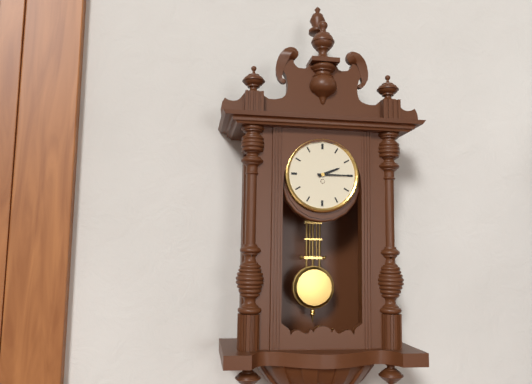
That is 2 h 15 min
